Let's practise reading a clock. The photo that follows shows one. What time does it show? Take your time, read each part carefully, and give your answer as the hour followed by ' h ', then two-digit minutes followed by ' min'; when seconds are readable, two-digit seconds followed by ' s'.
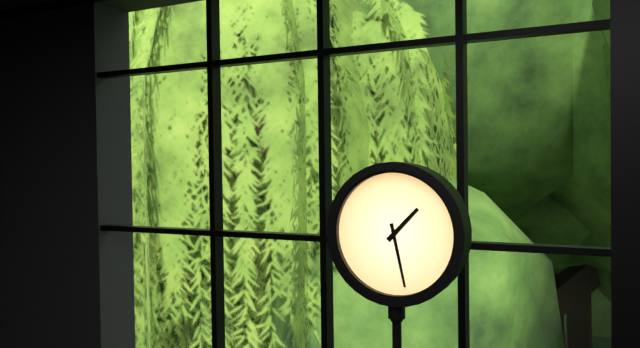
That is 1 h 28 min
